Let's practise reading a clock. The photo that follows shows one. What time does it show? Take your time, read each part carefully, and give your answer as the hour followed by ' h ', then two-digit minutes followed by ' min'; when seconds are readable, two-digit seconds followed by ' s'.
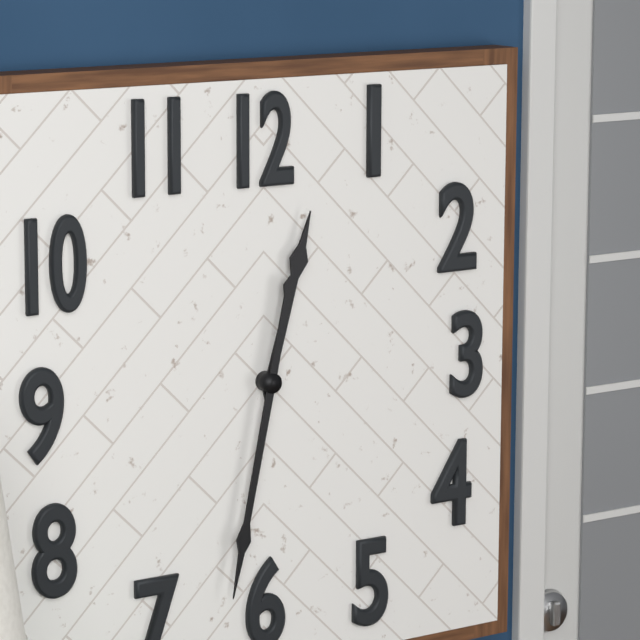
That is 12 h 32 min
